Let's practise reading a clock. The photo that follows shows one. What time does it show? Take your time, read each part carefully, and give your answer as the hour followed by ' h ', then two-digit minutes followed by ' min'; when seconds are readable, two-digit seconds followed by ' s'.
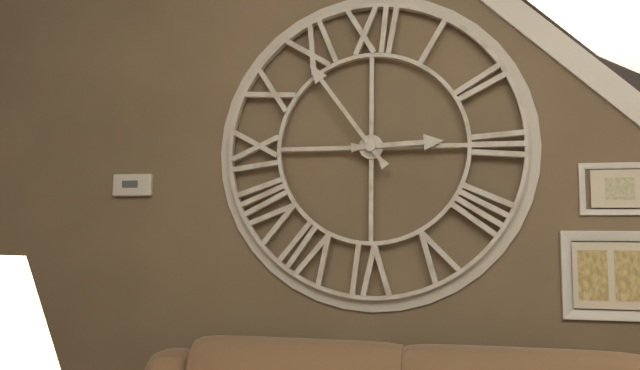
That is 2 h 54 min
